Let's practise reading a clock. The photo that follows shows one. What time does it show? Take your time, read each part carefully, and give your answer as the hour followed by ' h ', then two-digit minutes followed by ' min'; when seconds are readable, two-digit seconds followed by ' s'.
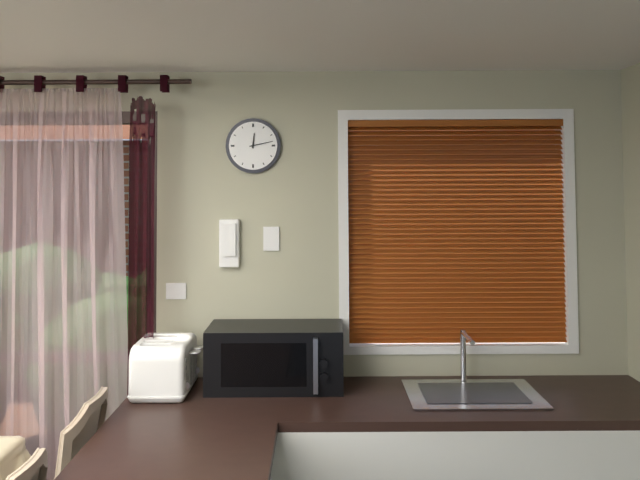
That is 12 h 13 min
